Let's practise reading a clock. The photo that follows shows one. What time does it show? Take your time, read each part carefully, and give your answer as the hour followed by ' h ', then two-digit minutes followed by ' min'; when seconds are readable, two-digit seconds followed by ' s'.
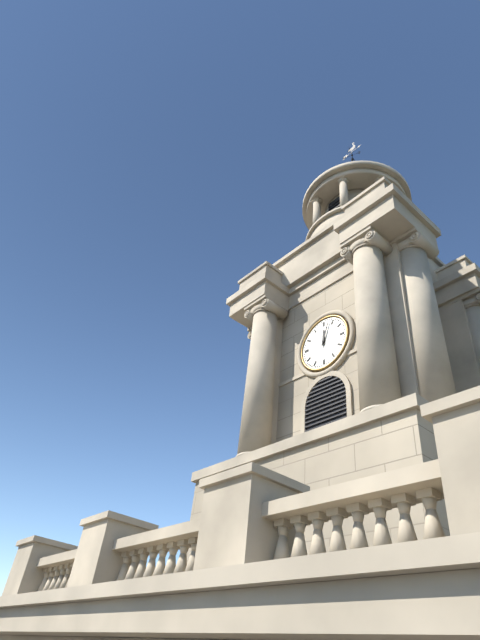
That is 12 h 03 min
